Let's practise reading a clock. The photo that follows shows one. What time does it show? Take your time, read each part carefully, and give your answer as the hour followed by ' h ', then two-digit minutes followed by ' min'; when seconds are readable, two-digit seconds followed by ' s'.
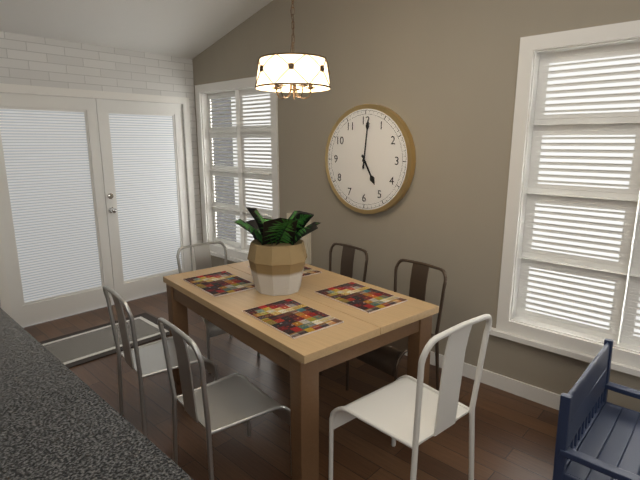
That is 5 h 01 min
